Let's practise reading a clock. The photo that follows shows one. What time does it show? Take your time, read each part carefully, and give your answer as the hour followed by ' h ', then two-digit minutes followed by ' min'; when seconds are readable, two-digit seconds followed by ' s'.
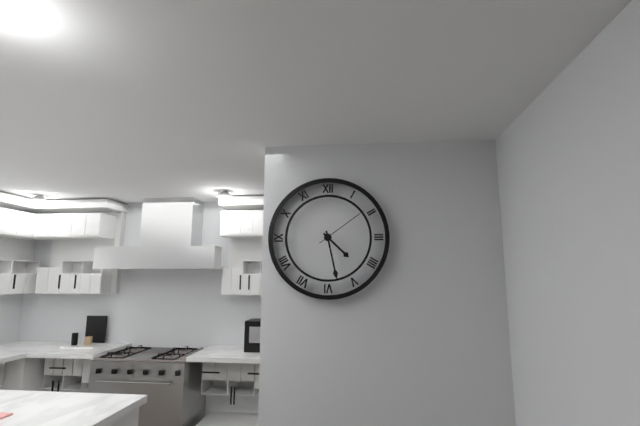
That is 4 h 28 min 09 s
